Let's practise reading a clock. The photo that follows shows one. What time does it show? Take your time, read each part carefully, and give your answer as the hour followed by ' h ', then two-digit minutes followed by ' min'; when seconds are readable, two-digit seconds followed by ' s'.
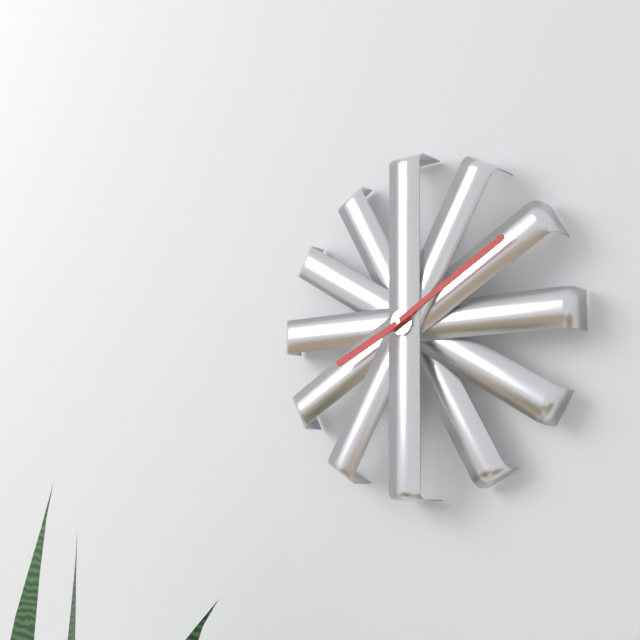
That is 8 h 10 min
